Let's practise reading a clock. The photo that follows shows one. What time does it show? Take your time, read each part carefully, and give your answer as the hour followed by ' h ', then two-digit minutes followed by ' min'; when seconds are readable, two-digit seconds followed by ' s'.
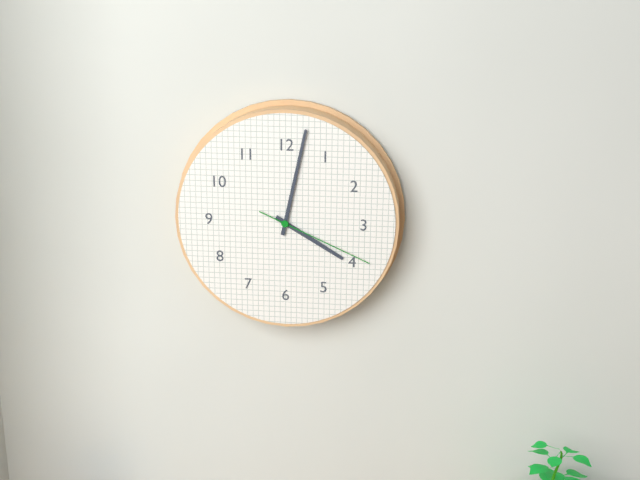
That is 4 h 02 min 19 s
